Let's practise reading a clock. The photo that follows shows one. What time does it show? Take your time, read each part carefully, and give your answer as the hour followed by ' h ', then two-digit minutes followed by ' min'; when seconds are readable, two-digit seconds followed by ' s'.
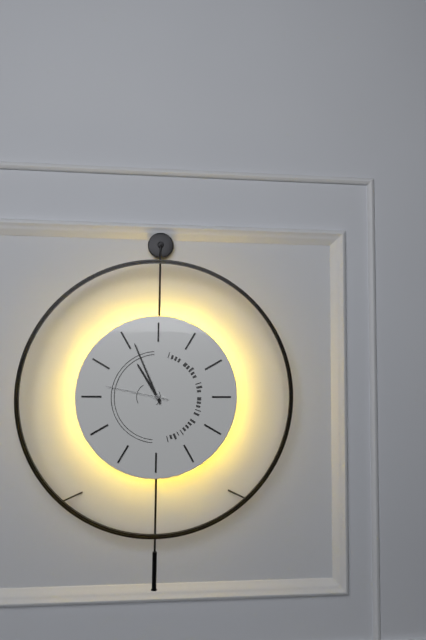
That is 10 h 56 min 47 s
